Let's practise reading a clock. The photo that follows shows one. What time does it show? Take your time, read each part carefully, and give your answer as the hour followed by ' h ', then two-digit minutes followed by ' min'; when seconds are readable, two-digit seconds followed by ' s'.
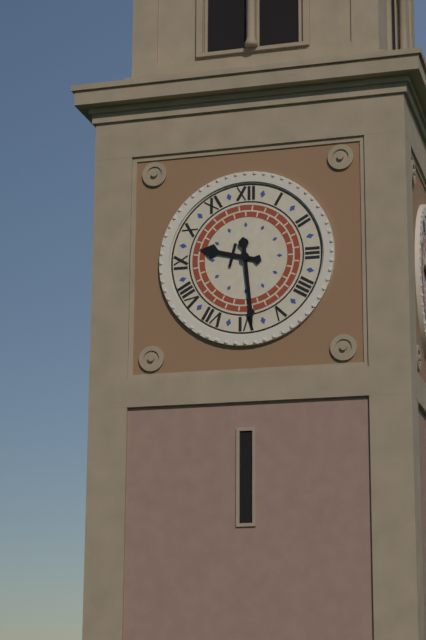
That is 9 h 29 min
